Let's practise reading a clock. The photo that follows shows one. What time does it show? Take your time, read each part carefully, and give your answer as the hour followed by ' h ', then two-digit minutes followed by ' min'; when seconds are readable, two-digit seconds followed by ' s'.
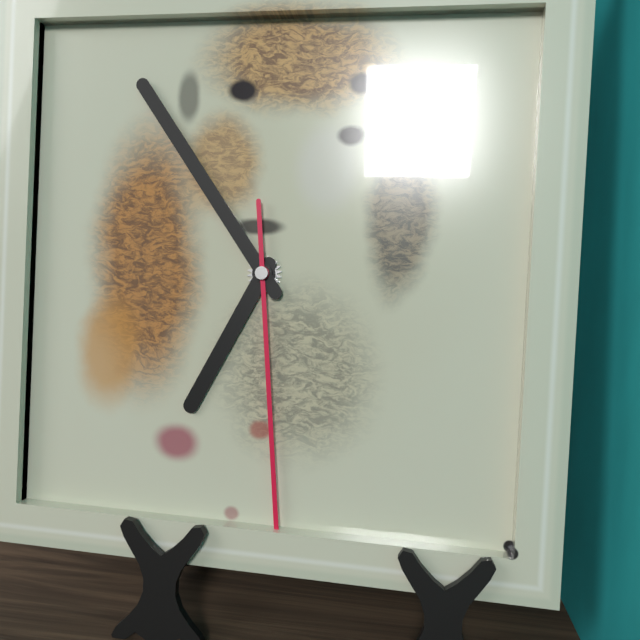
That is 6 h 54 min 29 s
